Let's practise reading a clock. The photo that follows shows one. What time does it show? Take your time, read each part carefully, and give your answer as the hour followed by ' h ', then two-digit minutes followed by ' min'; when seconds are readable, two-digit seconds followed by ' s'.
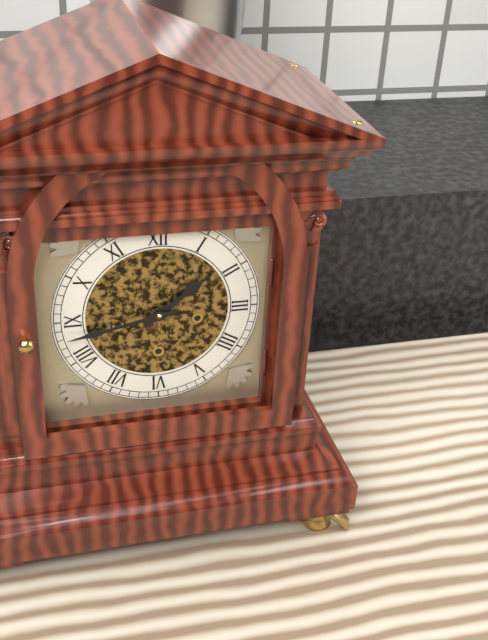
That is 1 h 43 min
